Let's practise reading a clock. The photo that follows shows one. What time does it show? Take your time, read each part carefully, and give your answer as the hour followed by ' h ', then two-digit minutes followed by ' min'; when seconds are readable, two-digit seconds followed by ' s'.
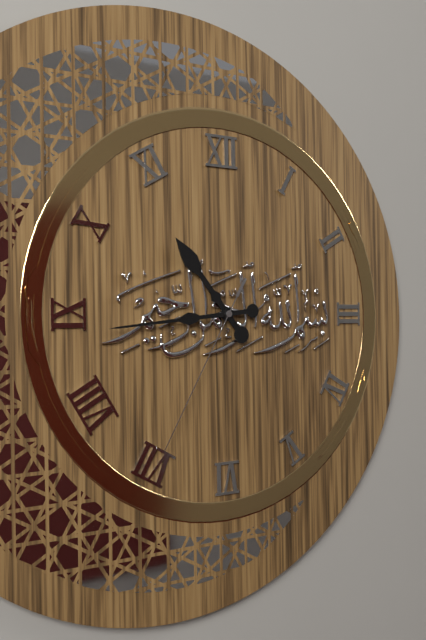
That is 10 h 44 min 35 s
